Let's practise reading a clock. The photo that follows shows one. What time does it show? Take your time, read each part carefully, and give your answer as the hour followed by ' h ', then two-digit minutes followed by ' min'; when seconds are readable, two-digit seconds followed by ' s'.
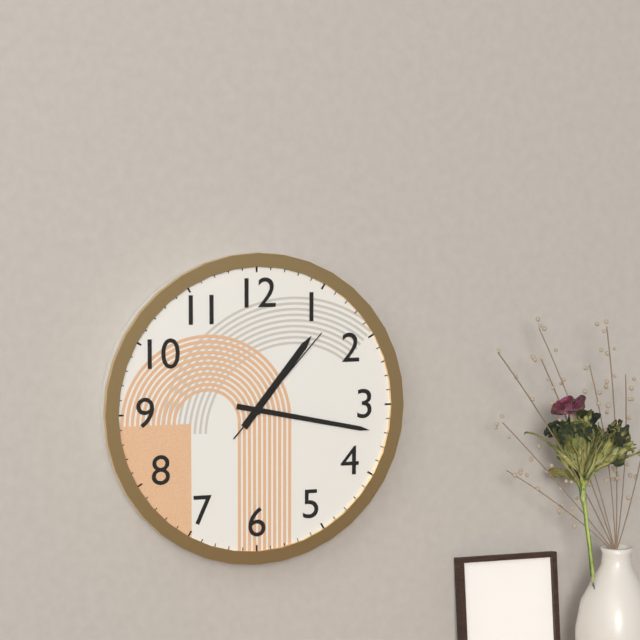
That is 1 h 17 min 07 s
